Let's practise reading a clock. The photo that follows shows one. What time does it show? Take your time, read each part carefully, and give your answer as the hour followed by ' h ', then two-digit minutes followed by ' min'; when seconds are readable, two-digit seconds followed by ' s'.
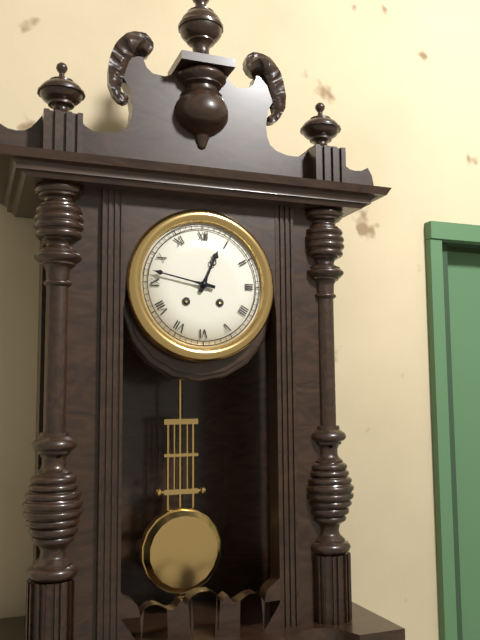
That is 12 h 47 min
